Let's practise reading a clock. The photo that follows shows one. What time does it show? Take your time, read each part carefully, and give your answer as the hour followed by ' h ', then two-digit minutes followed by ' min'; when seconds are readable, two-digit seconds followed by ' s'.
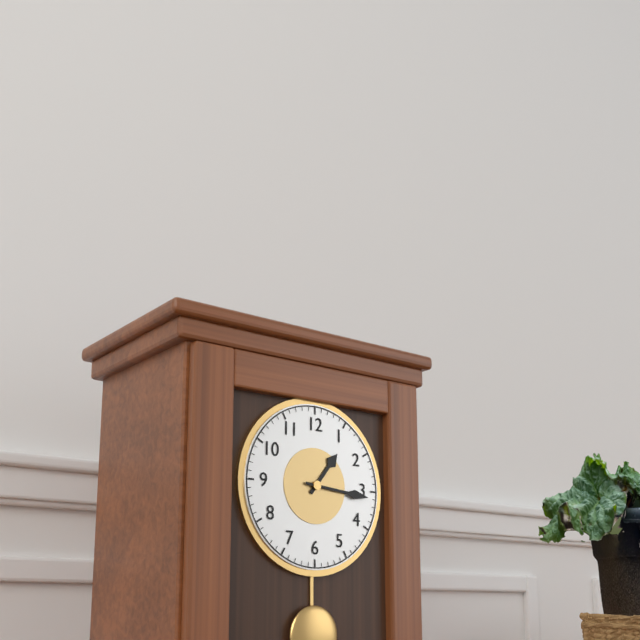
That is 1 h 16 min
